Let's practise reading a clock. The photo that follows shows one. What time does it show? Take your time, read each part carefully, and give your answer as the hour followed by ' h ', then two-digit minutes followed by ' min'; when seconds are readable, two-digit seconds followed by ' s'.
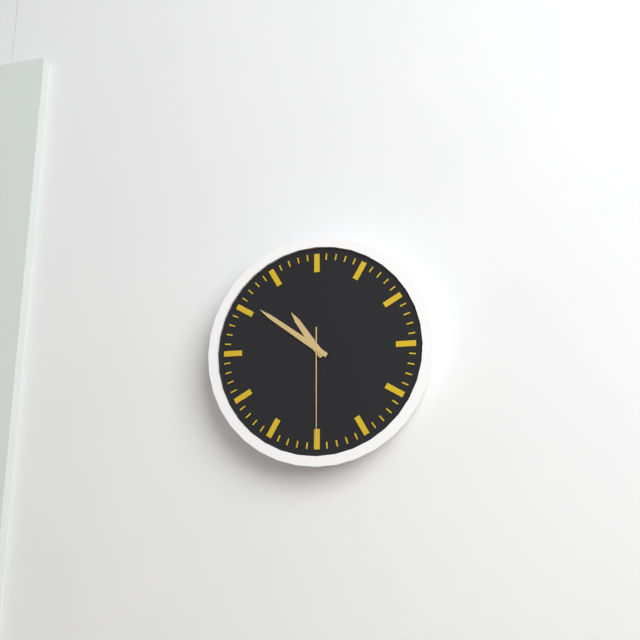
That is 10 h 51 min 30 s
